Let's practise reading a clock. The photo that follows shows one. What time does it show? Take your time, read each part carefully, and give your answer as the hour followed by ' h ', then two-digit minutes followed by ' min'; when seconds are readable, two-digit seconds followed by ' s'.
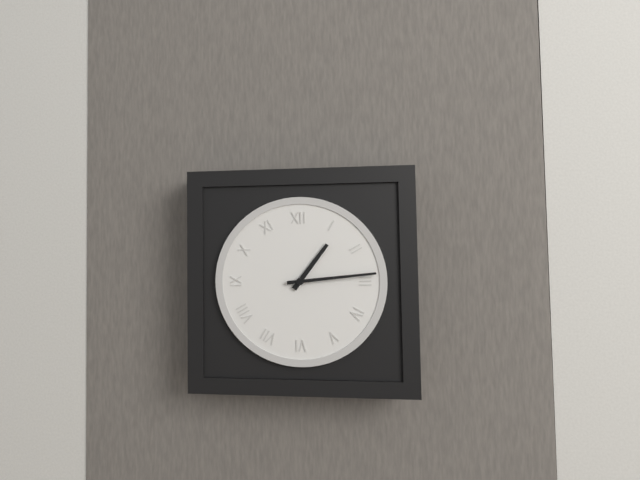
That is 1 h 14 min
